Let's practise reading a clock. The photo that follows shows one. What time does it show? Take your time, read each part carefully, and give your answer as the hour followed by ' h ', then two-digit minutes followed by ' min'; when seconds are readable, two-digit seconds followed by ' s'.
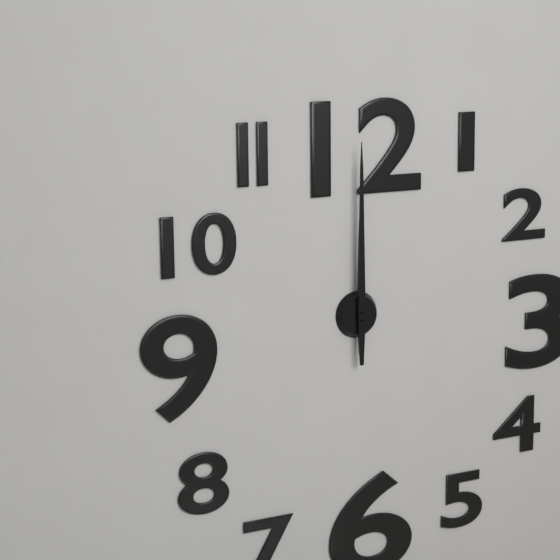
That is 12 h 00 min
